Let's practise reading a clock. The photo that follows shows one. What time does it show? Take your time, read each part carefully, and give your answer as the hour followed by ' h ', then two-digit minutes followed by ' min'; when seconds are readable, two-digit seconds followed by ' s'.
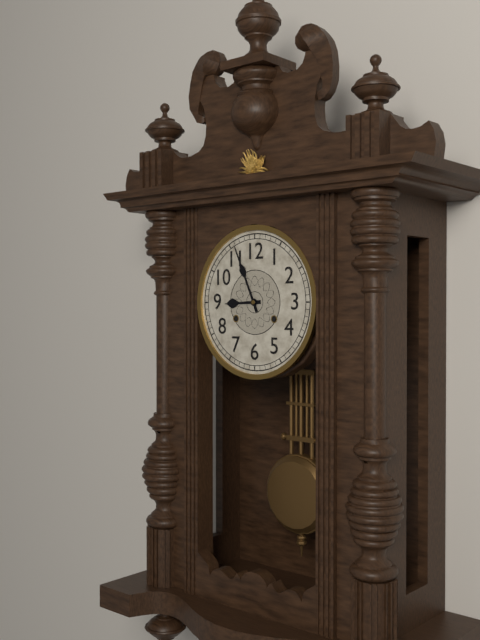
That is 8 h 56 min
